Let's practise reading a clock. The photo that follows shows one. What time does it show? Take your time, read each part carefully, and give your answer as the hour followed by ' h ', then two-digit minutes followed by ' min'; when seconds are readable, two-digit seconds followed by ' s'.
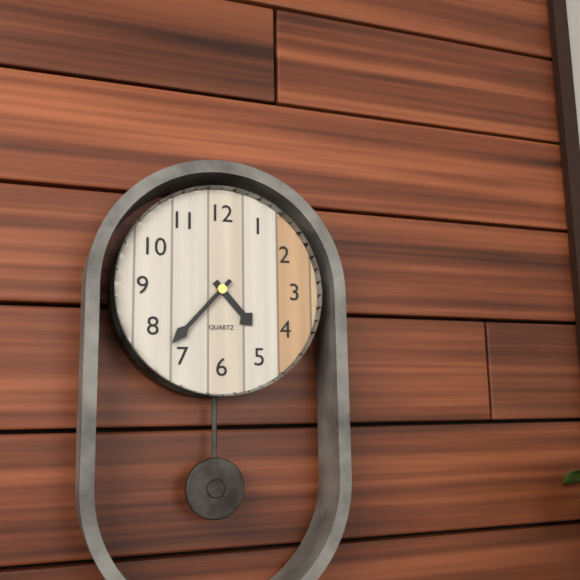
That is 4 h 37 min
